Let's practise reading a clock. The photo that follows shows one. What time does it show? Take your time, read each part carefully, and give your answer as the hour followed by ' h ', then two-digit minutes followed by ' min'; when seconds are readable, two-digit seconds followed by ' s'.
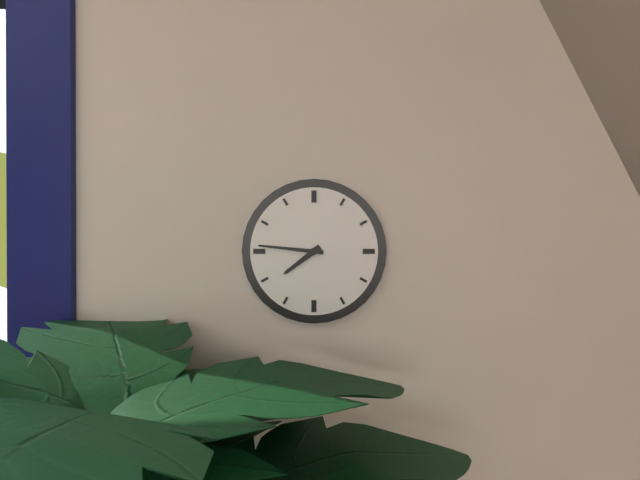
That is 7 h 46 min
